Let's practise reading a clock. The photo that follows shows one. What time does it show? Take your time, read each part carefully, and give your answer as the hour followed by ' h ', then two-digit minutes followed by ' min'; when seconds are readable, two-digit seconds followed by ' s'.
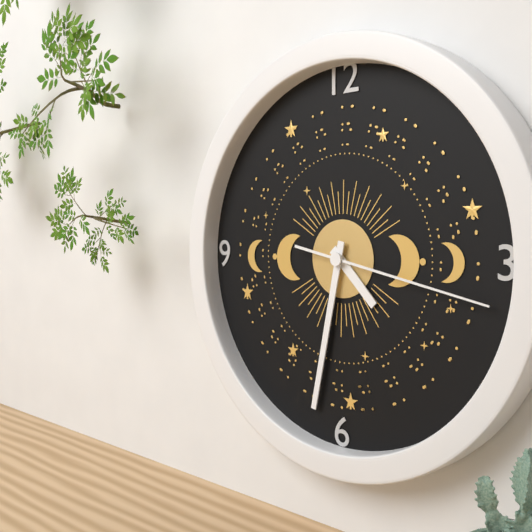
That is 4 h 32 min 17 s
